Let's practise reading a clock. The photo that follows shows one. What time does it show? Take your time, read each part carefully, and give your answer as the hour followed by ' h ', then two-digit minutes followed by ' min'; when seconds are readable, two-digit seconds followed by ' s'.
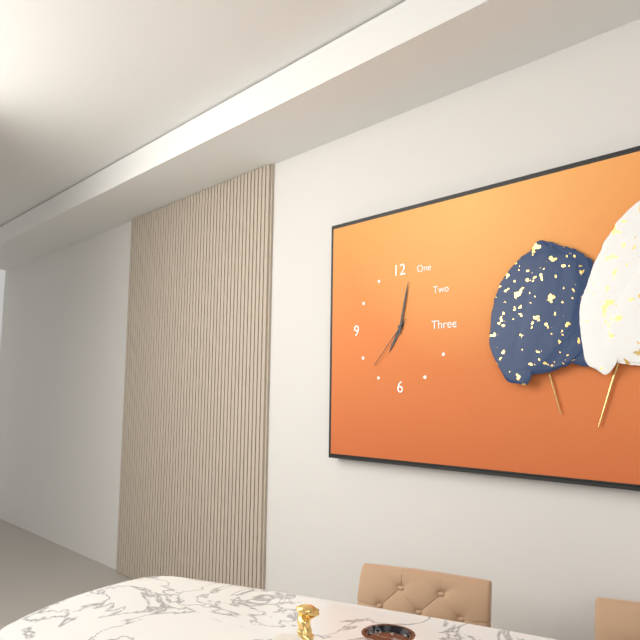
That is 7 h 02 min 37 s
